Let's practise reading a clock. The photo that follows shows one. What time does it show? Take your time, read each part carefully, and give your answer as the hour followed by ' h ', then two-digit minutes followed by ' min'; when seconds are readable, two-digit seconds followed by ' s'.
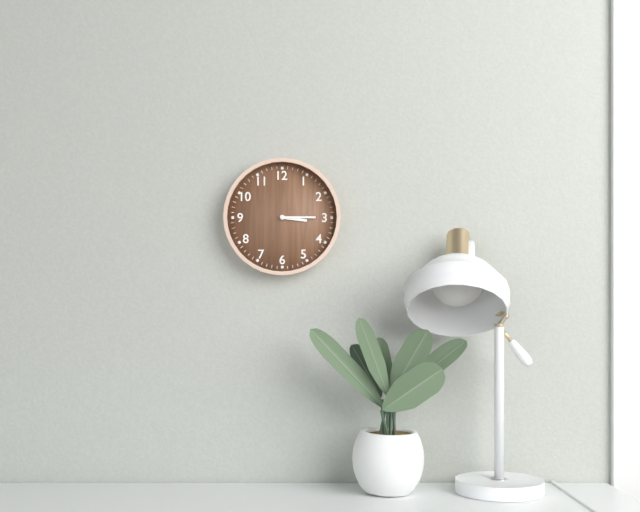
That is 3 h 15 min
